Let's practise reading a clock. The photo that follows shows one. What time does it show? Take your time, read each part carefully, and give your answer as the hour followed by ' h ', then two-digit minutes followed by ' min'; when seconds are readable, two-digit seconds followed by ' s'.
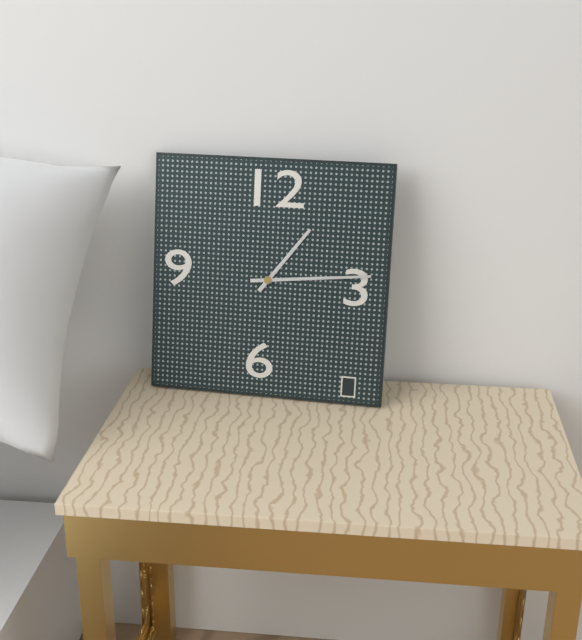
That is 1 h 14 min
